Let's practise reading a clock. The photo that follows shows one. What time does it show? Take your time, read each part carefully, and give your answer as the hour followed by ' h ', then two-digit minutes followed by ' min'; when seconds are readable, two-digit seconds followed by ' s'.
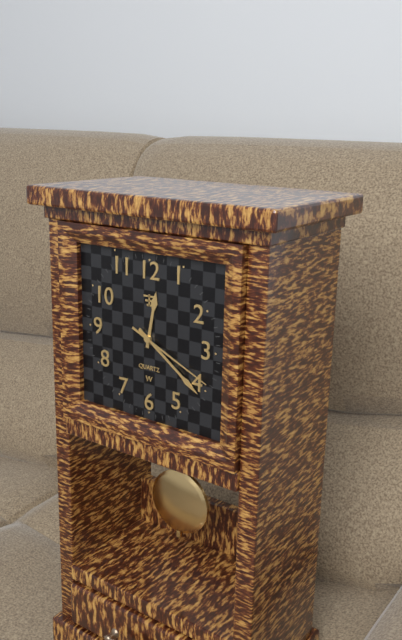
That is 12 h 21 min 19 s
